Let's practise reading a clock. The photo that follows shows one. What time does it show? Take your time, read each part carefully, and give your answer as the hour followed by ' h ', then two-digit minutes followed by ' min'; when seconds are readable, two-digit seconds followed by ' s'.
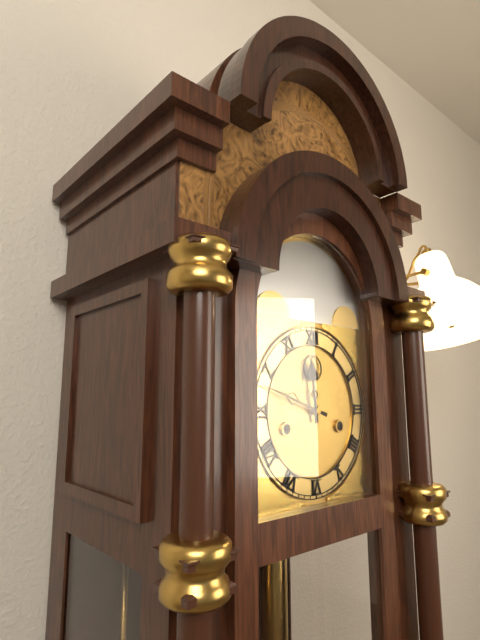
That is 11 h 48 min
